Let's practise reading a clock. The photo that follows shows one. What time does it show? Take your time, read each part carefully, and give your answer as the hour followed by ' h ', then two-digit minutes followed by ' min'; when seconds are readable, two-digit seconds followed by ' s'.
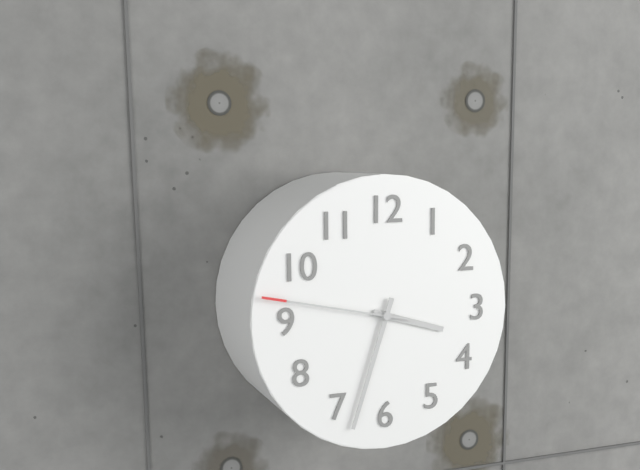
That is 3 h 33 min 47 s
